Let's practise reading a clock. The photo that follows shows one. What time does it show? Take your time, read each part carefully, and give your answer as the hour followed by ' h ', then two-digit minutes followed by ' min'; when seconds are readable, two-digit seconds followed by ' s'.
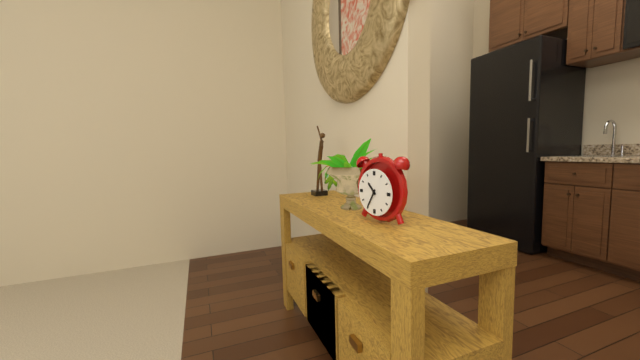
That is 10 h 35 min
